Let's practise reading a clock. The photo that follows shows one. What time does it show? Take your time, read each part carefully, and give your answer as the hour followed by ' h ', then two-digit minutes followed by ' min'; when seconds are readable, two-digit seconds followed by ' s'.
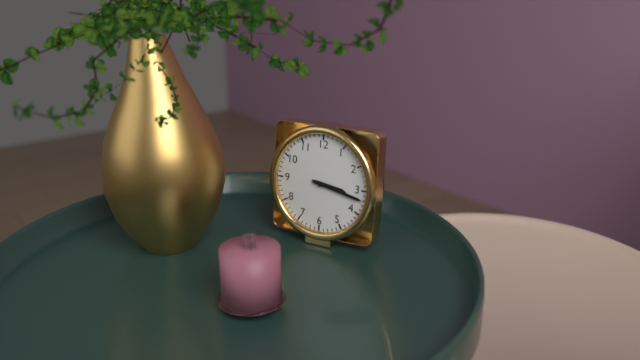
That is 3 h 17 min
